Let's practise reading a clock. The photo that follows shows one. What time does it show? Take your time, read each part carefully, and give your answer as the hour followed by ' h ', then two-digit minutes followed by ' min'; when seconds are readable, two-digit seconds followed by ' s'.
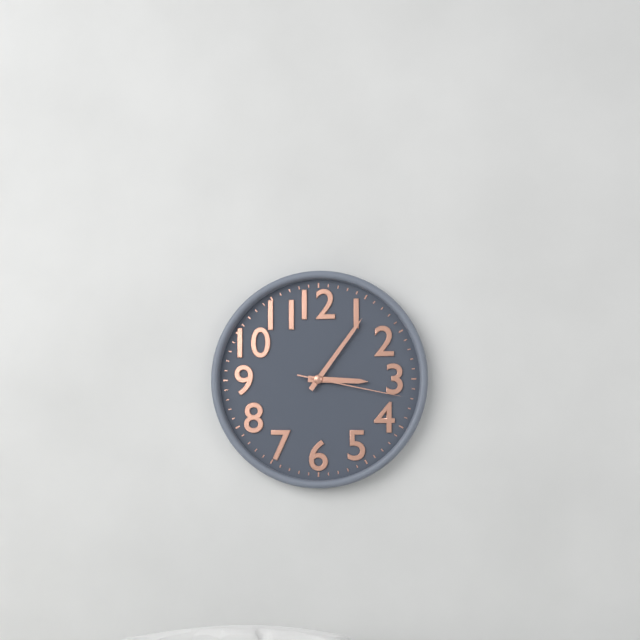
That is 3 h 06 min 17 s
